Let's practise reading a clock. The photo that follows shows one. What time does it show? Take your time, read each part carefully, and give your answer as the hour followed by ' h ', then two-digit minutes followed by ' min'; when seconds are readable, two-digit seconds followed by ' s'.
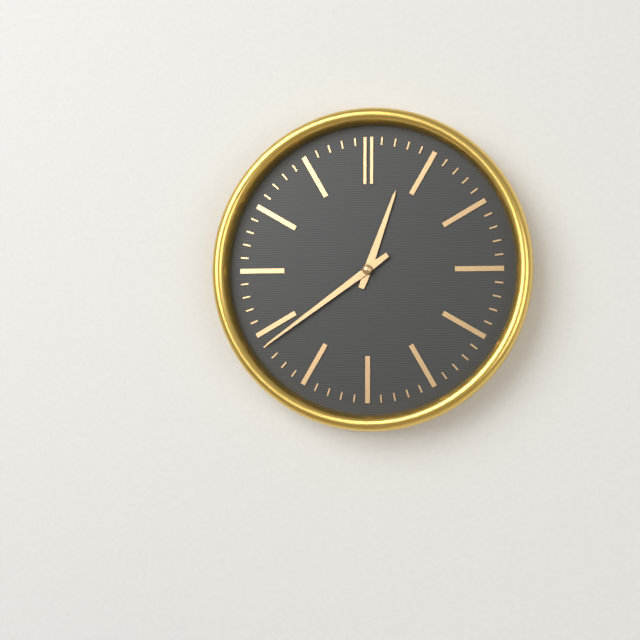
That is 12 h 39 min
